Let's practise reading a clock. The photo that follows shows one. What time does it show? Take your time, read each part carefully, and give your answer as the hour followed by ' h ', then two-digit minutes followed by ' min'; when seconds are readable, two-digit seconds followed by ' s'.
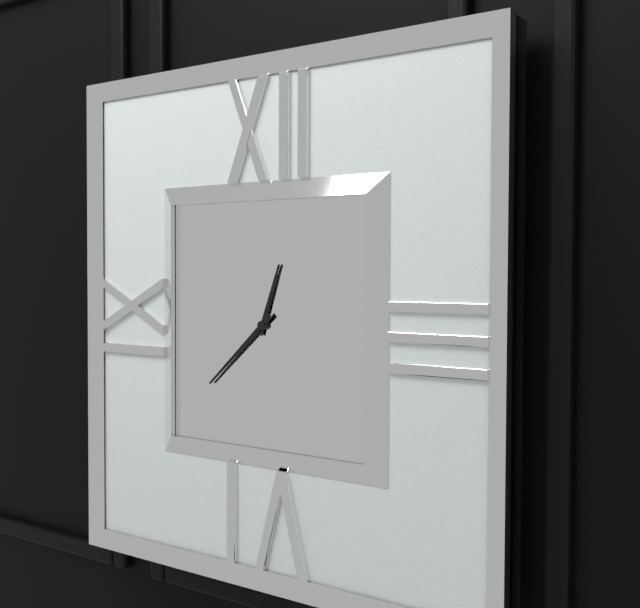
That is 12 h 38 min
